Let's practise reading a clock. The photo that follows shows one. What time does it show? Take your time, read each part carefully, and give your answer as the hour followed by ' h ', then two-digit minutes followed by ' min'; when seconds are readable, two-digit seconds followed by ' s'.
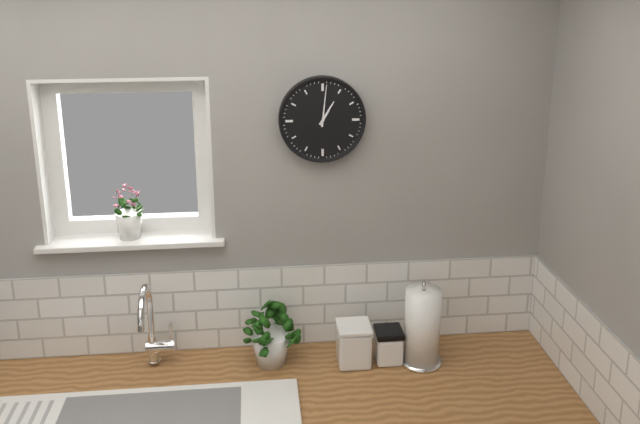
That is 1 h 01 min
